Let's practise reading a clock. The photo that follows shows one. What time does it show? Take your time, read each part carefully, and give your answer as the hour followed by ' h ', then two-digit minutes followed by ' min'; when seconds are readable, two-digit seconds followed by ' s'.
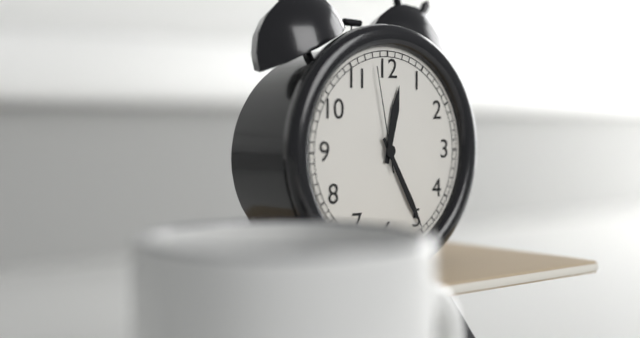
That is 12 h 25 min 58 s
